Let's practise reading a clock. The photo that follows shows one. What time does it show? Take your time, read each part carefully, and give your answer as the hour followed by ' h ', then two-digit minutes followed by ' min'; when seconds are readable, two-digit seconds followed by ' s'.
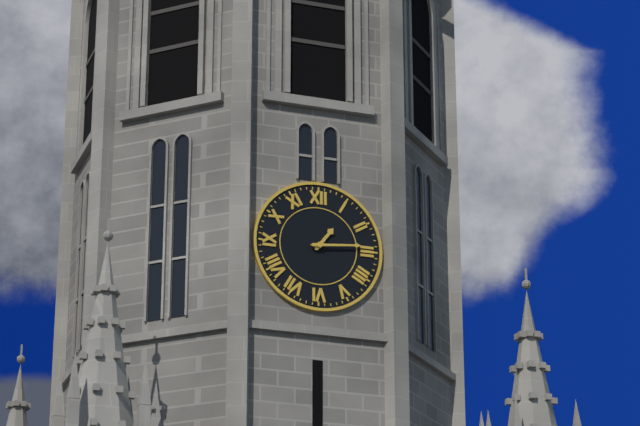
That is 1 h 14 min
